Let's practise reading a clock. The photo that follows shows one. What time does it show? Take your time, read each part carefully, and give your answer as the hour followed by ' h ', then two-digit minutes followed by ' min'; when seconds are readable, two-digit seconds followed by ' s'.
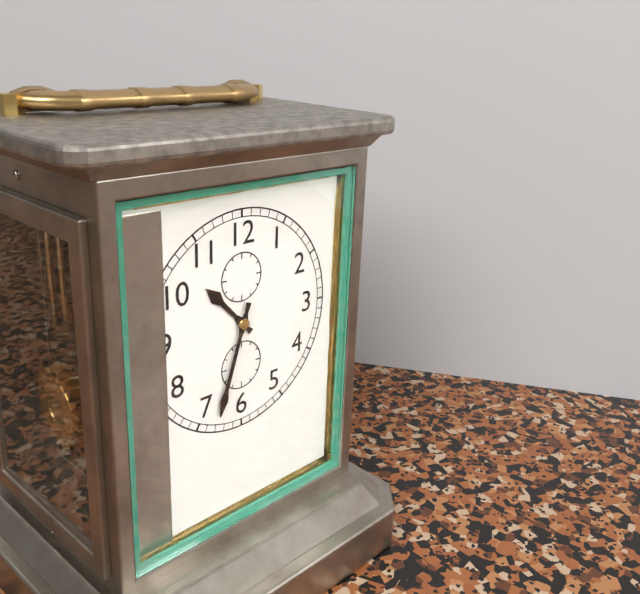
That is 10 h 33 min
